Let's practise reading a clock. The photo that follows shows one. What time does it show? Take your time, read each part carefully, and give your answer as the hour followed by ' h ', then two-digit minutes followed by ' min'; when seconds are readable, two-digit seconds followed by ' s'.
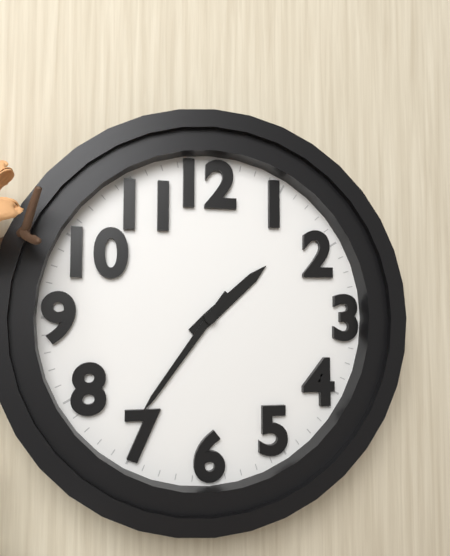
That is 1 h 36 min
